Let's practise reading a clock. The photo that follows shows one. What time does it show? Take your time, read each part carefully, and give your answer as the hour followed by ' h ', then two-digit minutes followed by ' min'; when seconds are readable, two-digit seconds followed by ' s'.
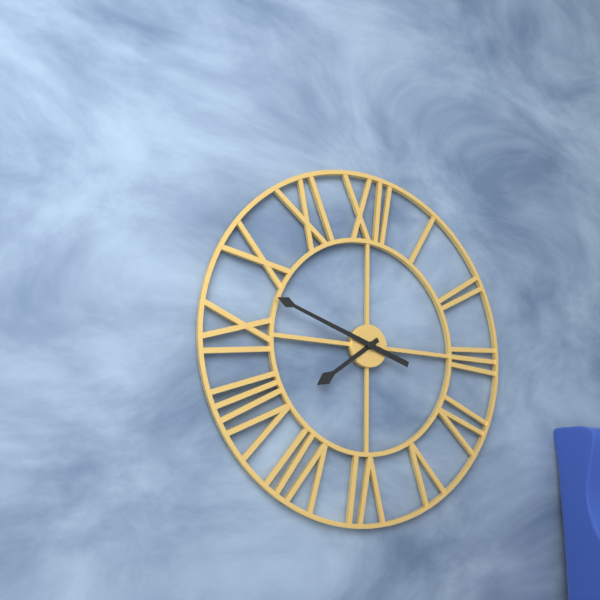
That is 7 h 48 min
